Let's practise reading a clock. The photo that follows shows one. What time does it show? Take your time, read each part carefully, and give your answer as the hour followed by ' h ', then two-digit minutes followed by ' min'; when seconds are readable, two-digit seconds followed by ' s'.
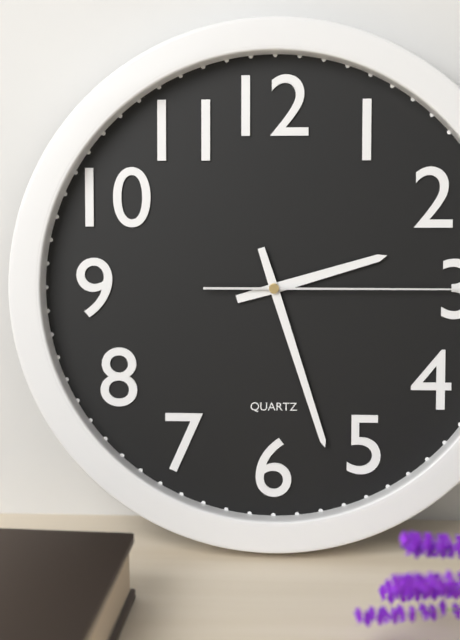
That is 2 h 27 min
